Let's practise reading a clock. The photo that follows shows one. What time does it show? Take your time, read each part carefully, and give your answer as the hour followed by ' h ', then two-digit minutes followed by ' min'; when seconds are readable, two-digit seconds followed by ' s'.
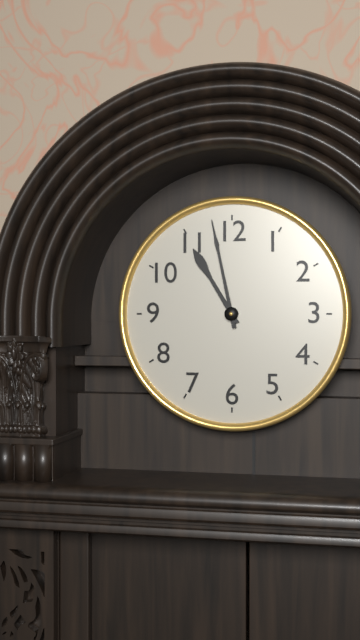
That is 10 h 58 min
